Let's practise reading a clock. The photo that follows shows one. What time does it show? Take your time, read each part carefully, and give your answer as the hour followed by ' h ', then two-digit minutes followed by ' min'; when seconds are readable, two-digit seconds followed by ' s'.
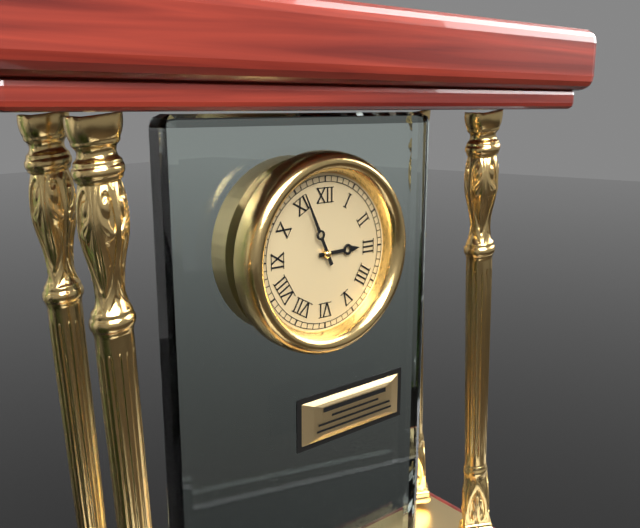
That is 2 h 56 min
